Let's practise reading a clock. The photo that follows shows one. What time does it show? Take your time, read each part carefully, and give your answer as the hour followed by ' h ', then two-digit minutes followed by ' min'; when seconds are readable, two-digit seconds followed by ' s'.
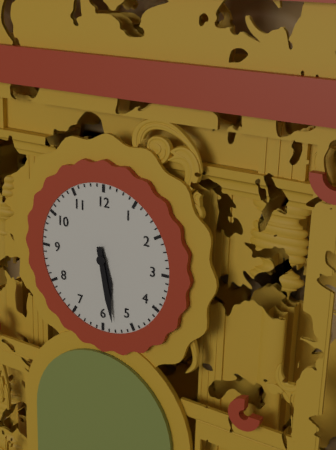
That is 5 h 28 min
